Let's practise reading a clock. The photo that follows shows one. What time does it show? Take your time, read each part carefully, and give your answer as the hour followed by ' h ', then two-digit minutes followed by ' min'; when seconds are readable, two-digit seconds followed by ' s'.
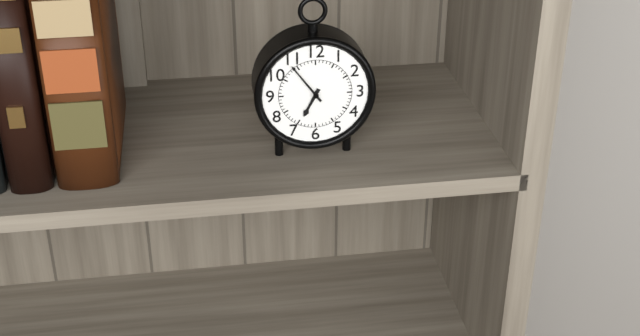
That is 6 h 54 min
